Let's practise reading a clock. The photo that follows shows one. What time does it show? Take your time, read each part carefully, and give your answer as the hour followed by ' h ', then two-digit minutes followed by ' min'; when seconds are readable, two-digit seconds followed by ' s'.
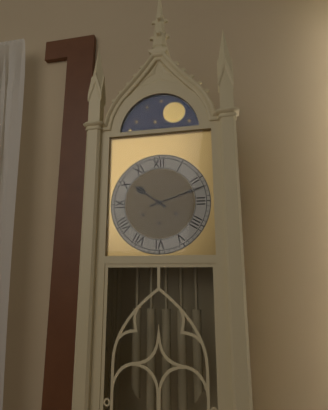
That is 10 h 12 min
